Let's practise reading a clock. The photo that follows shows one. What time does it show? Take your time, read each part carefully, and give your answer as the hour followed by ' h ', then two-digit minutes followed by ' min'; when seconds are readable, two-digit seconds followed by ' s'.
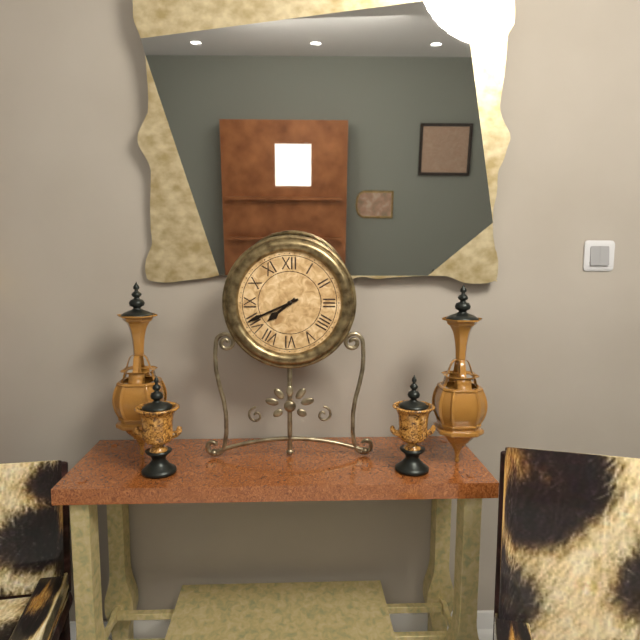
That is 7 h 41 min
